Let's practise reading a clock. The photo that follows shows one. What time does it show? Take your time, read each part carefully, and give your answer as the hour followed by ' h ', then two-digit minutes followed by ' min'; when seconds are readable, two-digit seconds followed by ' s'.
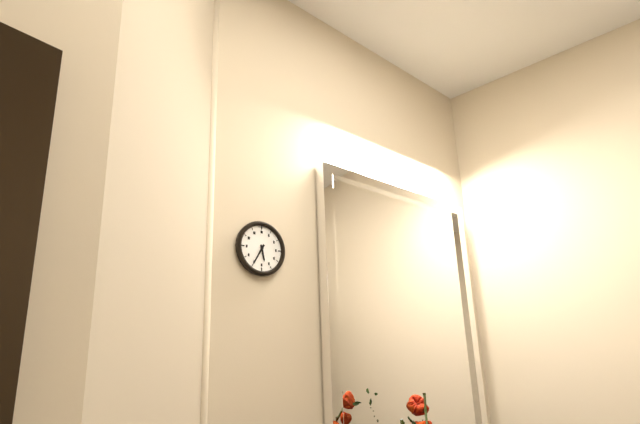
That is 5 h 35 min
